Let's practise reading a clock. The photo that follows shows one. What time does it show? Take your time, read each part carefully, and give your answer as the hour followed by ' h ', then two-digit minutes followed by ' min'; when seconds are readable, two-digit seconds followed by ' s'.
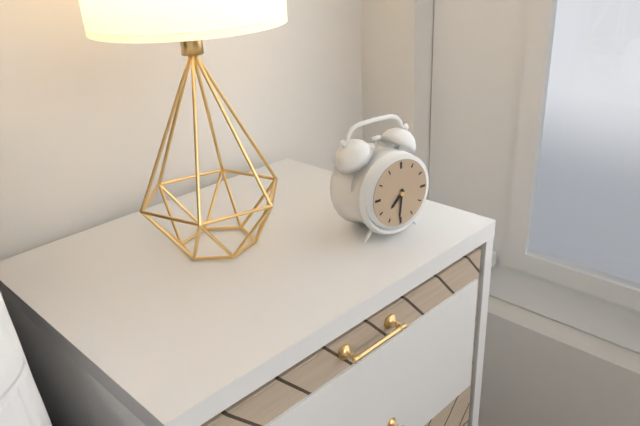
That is 7 h 31 min
